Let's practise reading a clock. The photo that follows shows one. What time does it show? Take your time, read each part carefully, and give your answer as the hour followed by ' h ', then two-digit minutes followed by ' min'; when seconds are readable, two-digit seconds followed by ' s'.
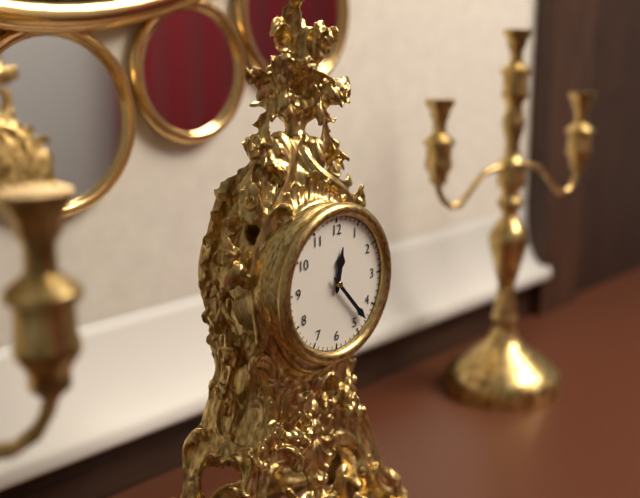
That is 12 h 23 min
